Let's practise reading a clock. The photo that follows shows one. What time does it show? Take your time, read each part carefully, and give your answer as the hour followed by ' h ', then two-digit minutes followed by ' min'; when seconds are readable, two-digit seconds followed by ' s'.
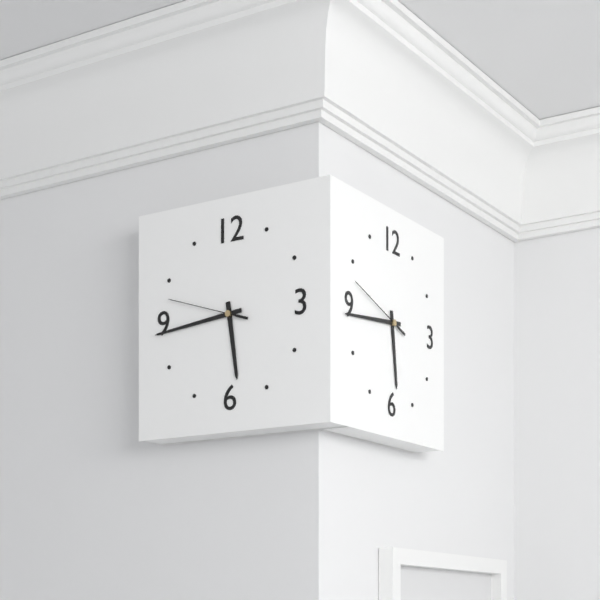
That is 5 h 44 min 48 s
